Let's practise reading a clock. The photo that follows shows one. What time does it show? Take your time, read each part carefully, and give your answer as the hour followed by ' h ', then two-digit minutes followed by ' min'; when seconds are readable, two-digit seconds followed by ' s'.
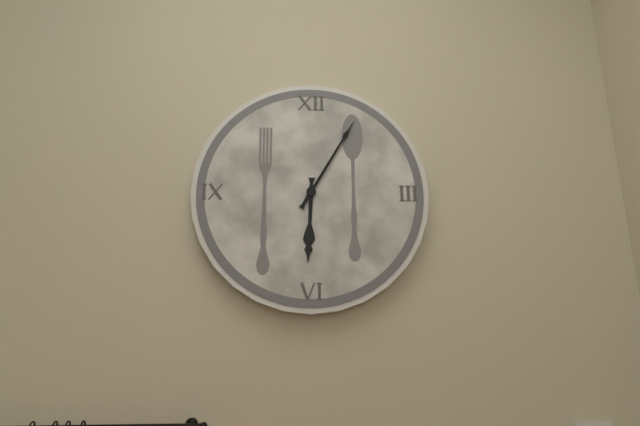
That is 6 h 05 min
